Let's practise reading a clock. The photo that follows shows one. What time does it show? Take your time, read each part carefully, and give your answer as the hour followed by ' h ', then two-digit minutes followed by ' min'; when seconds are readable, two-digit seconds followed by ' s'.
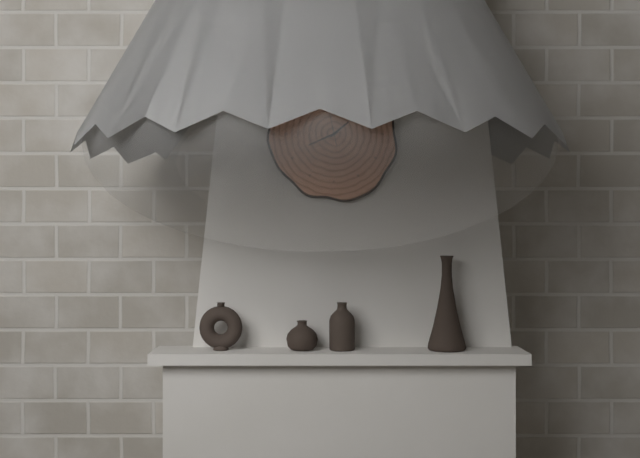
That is 1 h 41 min
